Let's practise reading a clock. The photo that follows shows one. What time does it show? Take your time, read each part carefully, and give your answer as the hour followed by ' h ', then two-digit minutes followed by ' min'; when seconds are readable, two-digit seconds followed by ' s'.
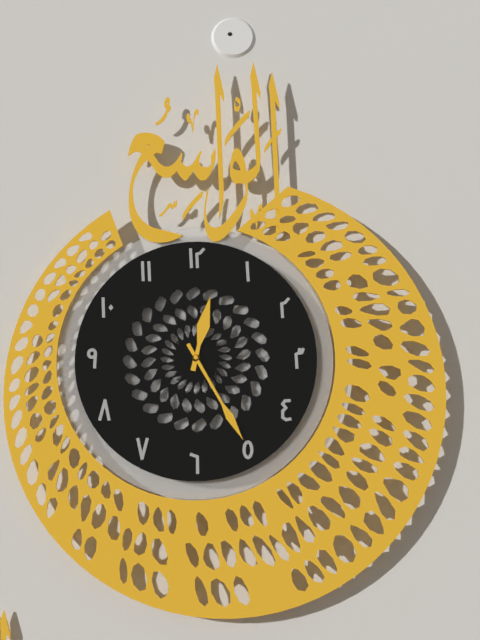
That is 12 h 25 min
